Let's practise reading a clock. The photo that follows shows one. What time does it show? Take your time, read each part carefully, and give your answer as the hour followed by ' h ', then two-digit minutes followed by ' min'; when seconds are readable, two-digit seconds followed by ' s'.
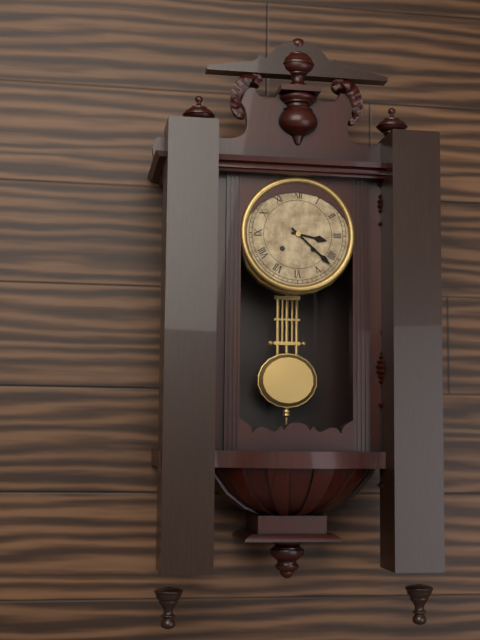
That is 3 h 22 min
